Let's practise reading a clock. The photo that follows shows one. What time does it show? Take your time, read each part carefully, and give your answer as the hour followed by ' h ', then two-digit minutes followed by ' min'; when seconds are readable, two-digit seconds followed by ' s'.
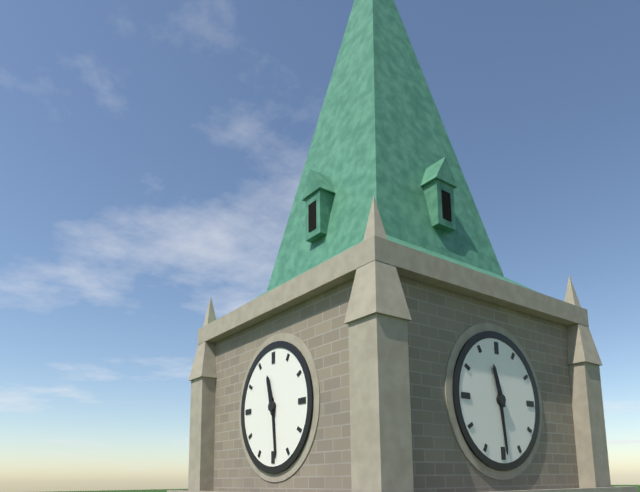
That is 11 h 29 min
